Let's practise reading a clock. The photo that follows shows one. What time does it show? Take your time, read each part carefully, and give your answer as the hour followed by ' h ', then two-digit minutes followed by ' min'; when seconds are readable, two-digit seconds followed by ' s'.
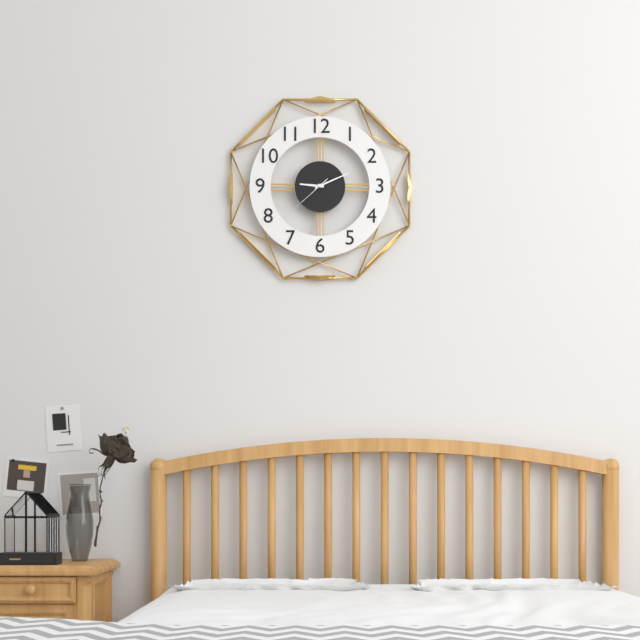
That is 9 h 11 min
